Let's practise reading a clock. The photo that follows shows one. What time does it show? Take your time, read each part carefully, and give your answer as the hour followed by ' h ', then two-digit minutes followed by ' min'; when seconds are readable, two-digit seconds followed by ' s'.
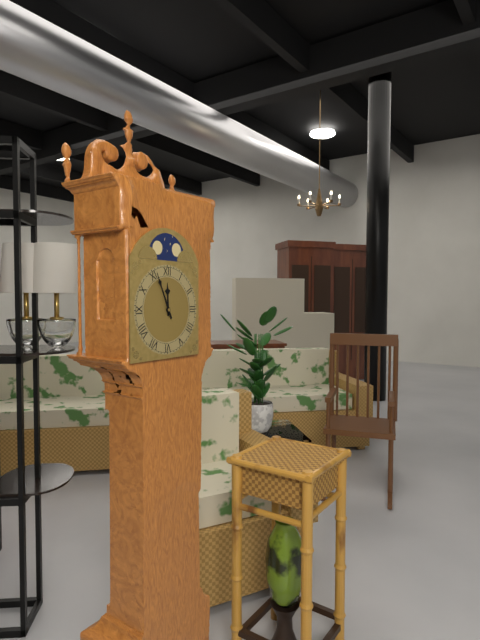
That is 11 h 56 min
